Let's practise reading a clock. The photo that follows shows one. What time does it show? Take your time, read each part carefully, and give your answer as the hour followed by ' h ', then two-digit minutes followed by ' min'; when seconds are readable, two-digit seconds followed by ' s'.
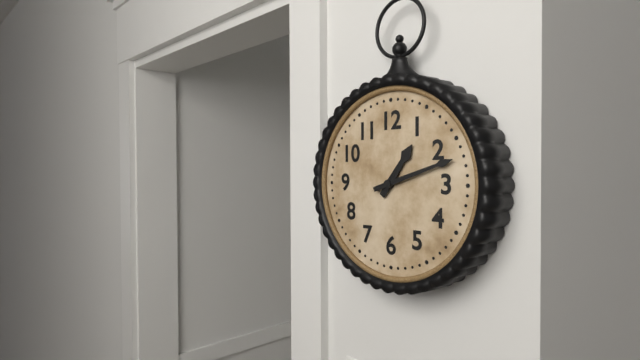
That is 1 h 12 min
